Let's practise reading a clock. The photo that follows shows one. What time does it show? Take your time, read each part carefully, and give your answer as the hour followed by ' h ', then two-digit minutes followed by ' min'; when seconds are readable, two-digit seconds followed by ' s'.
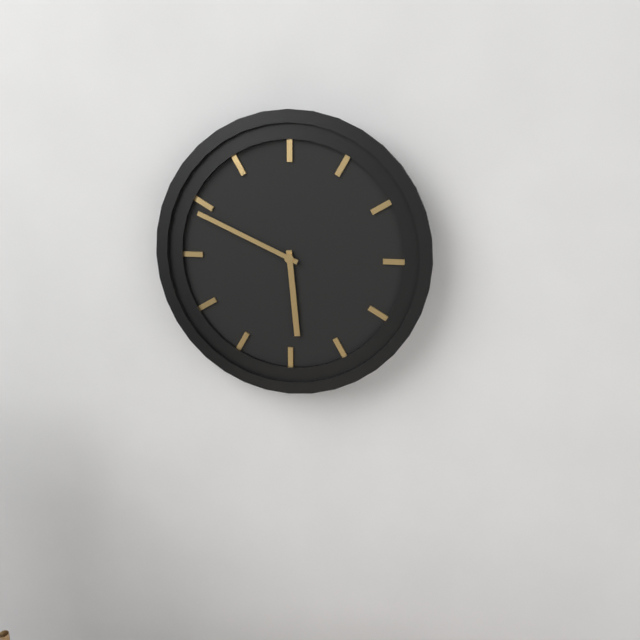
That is 5 h 49 min
